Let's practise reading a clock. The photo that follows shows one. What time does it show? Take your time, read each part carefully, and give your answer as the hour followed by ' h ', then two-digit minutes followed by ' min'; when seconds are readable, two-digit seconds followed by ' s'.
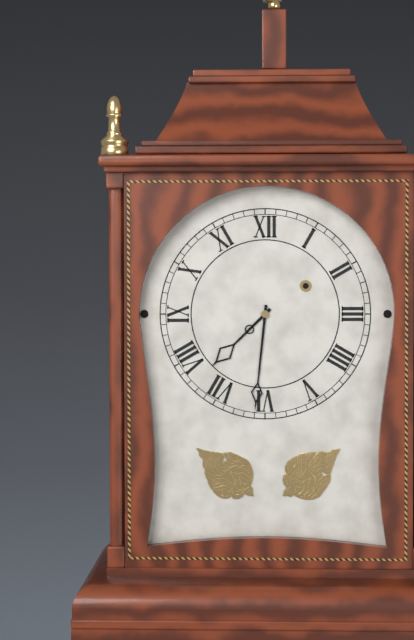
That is 7 h 31 min
